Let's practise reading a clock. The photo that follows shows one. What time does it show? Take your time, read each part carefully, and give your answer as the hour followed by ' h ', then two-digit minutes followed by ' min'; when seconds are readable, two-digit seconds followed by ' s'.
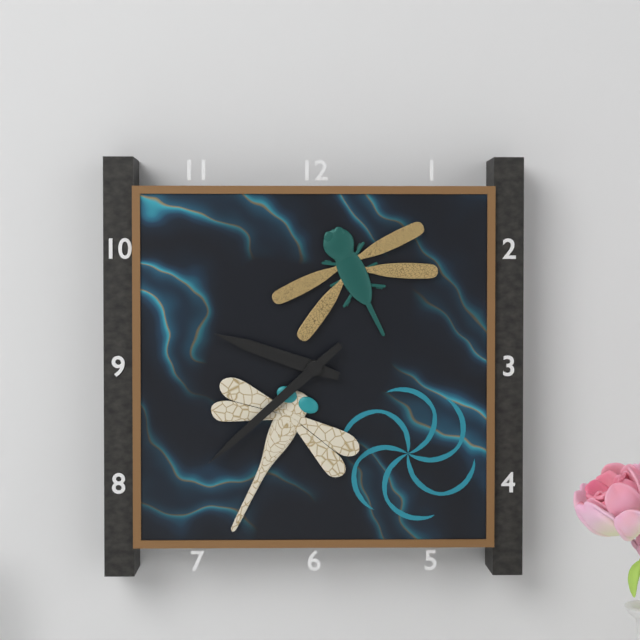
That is 9 h 38 min
